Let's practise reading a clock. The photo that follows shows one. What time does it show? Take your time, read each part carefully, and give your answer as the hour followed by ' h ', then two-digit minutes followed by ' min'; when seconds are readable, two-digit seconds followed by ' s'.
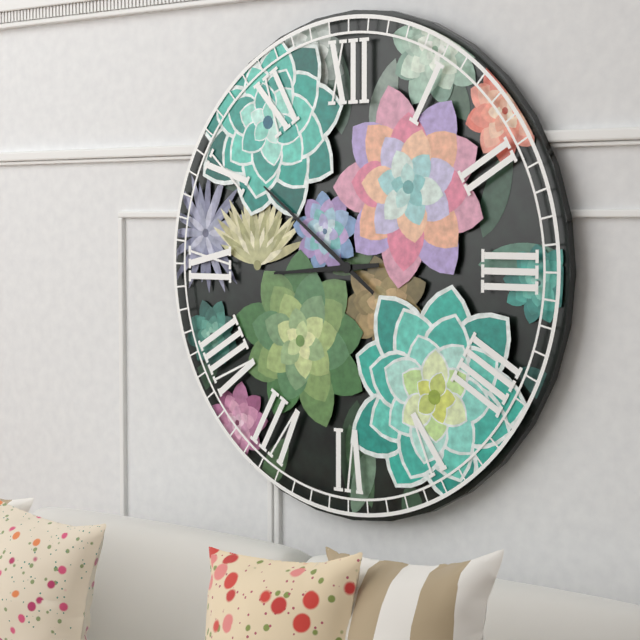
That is 8 h 51 min
